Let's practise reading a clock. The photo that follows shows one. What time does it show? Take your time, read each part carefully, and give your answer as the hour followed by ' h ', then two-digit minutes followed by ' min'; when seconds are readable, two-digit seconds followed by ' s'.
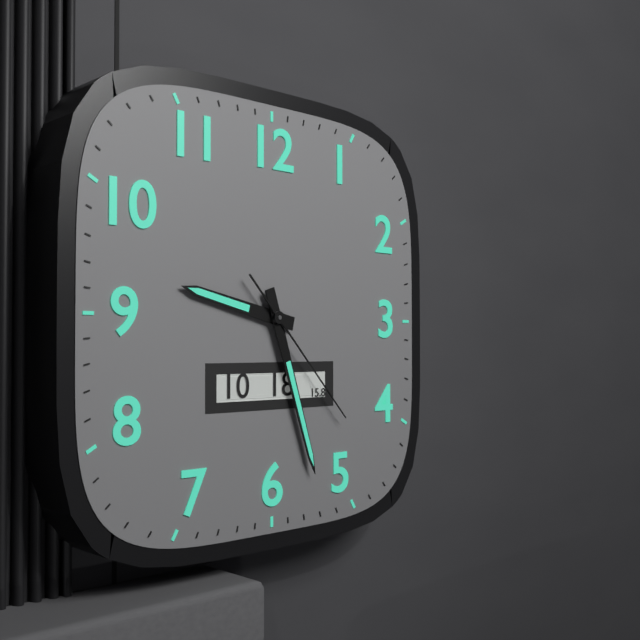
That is 9 h 27 min 23 s
